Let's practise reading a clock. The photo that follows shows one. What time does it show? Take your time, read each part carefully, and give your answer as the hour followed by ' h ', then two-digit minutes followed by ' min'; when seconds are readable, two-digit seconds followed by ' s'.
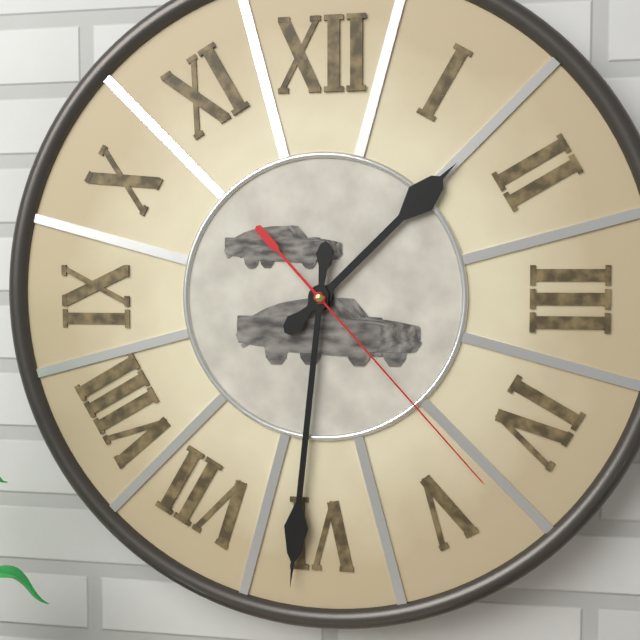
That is 1 h 31 min 23 s
